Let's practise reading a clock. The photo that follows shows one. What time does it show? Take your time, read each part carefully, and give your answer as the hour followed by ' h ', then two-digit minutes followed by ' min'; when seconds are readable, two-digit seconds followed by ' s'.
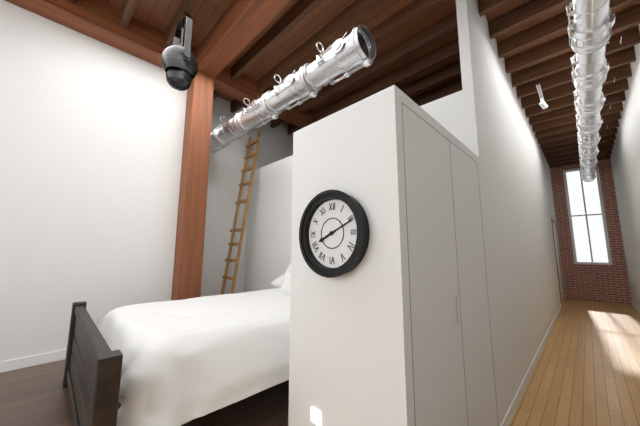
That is 8 h 11 min
